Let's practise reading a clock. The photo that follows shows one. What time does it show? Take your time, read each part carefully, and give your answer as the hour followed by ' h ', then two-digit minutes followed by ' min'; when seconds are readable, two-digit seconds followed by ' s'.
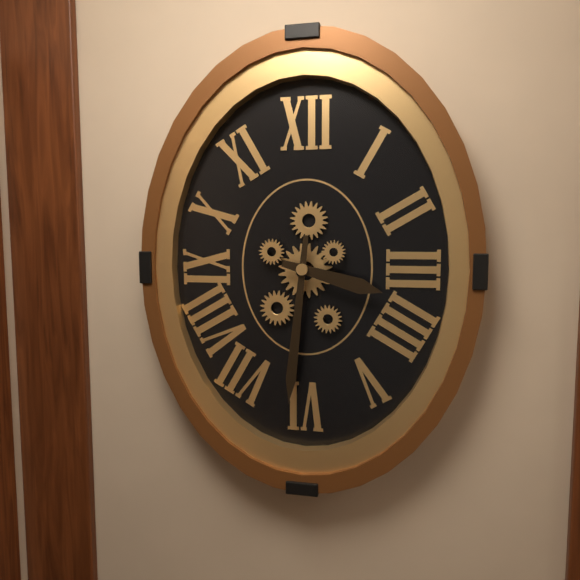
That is 3 h 31 min
